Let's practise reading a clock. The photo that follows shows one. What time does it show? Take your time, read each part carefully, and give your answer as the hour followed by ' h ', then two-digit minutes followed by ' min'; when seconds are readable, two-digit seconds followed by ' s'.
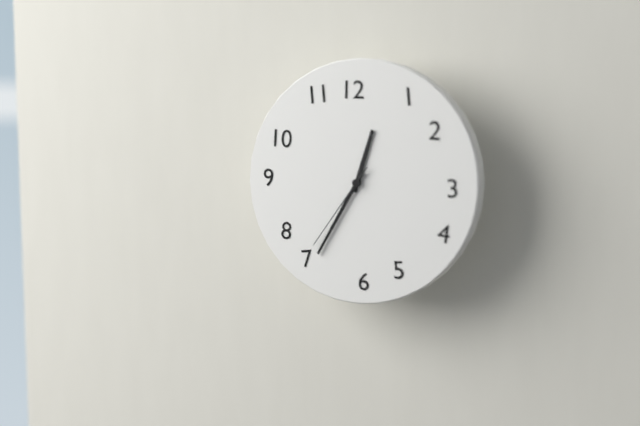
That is 12 h 35 min 36 s
